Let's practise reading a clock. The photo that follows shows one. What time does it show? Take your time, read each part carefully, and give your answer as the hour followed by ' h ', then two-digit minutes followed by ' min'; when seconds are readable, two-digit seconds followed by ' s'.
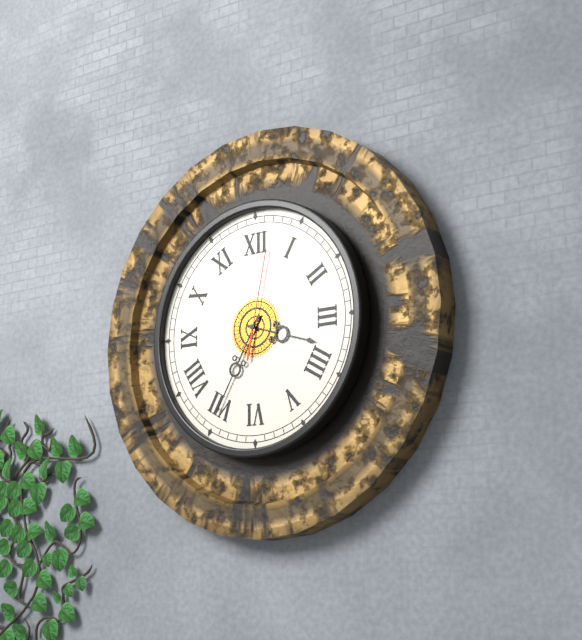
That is 3 h 35 min 02 s
